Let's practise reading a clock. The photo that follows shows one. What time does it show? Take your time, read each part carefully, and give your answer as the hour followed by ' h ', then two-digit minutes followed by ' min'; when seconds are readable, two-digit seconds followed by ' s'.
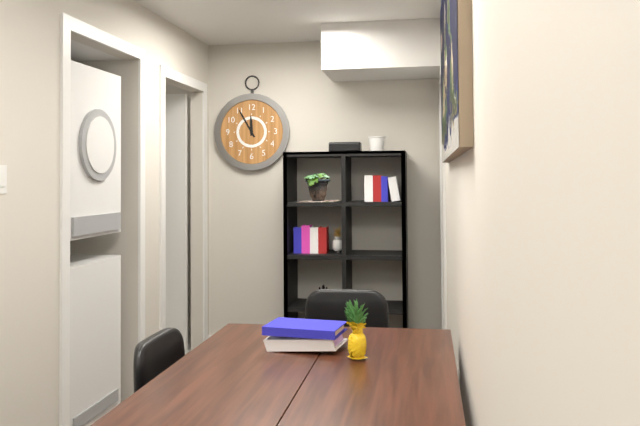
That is 11 h 55 min
